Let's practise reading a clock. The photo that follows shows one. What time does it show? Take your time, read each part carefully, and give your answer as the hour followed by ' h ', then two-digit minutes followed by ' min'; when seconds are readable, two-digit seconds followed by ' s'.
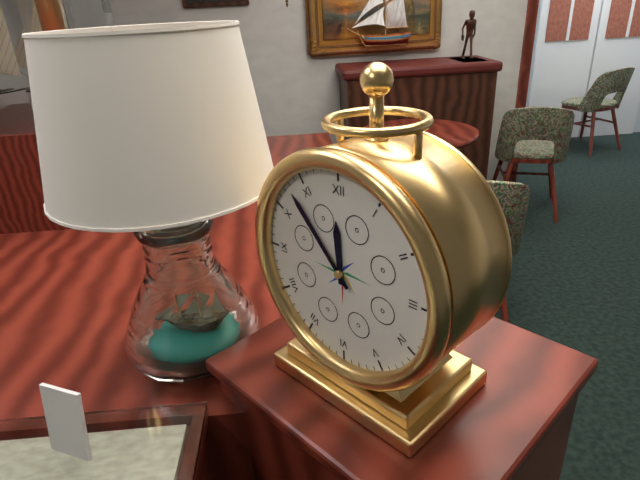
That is 11 h 53 min
